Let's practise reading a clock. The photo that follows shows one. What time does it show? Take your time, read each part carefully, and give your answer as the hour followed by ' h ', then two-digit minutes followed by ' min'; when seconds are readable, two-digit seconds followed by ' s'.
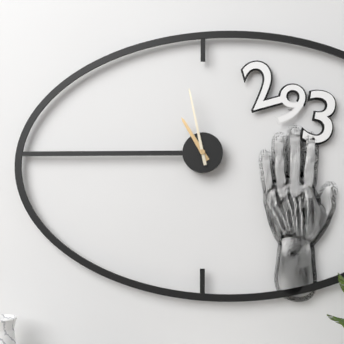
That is 10 h 58 min
